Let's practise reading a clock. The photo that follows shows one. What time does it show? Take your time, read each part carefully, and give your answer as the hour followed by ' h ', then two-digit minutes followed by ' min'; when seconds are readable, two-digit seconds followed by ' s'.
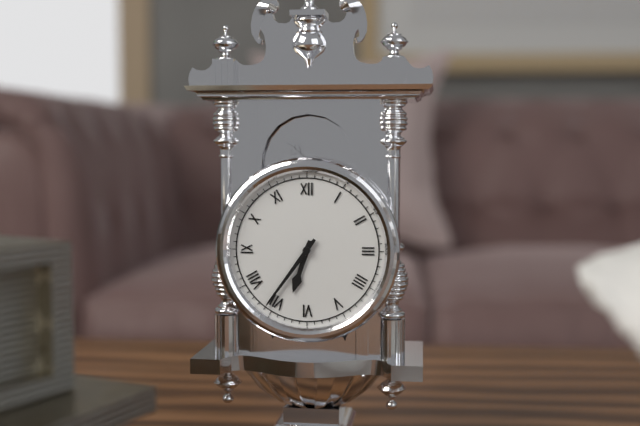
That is 6 h 36 min
